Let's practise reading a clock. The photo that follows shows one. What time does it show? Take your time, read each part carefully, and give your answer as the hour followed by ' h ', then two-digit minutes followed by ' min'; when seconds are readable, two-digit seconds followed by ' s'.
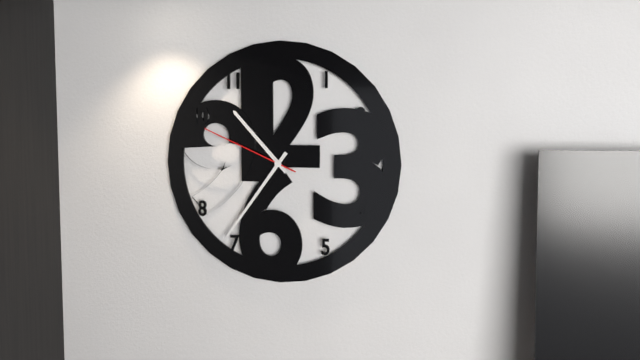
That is 10 h 36 min 49 s
